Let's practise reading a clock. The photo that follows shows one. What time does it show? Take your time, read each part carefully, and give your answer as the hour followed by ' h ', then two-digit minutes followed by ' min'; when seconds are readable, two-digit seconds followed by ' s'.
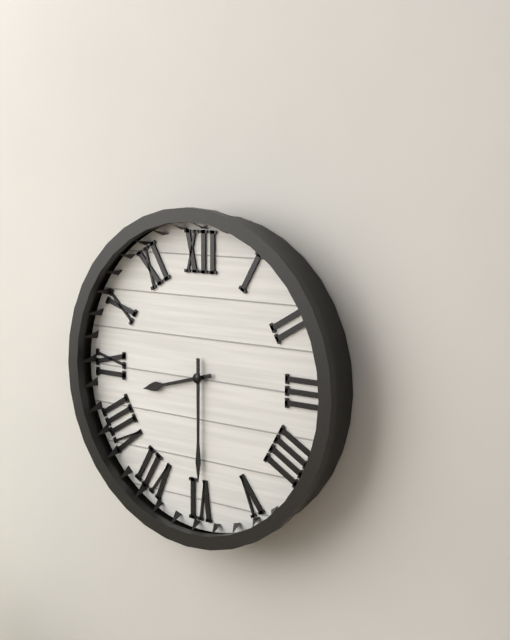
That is 8 h 30 min
